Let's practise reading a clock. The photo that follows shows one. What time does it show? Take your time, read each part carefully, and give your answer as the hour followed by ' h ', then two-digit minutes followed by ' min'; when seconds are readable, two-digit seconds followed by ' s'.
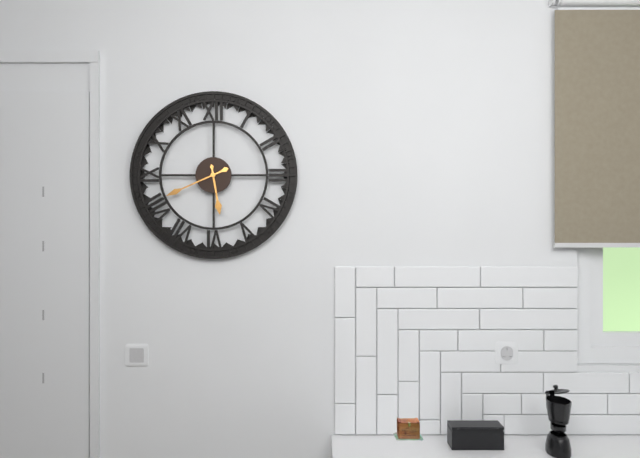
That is 5 h 41 min
